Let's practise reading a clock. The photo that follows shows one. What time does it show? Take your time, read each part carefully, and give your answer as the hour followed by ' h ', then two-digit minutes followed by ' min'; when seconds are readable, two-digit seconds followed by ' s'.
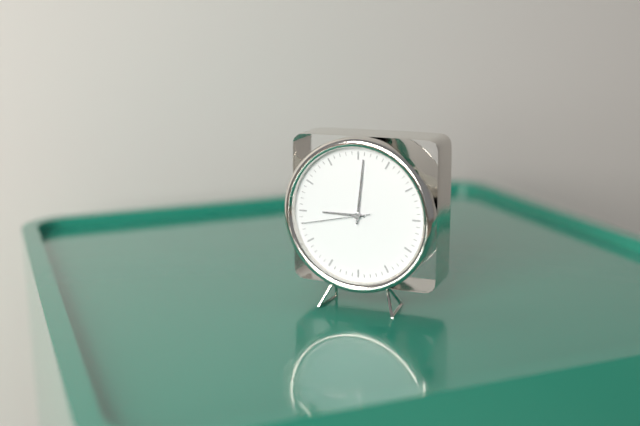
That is 9 h 01 min 43 s
